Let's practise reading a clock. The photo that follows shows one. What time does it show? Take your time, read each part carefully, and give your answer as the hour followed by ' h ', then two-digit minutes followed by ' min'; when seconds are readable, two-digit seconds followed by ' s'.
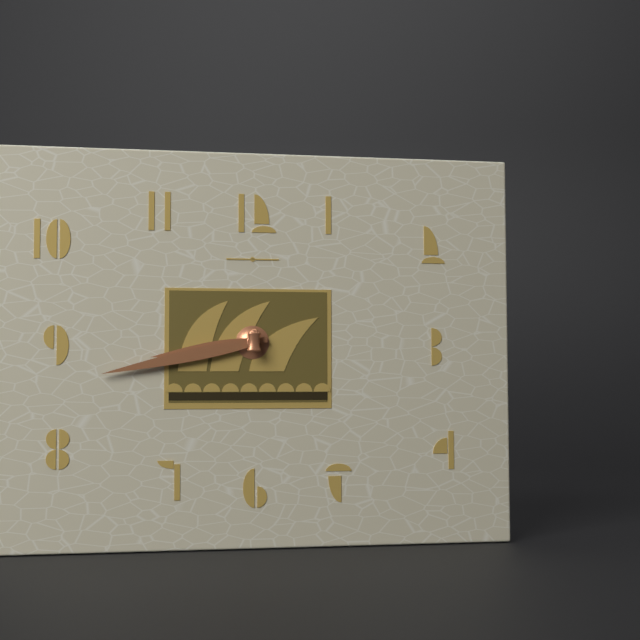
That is 8 h 43 min
